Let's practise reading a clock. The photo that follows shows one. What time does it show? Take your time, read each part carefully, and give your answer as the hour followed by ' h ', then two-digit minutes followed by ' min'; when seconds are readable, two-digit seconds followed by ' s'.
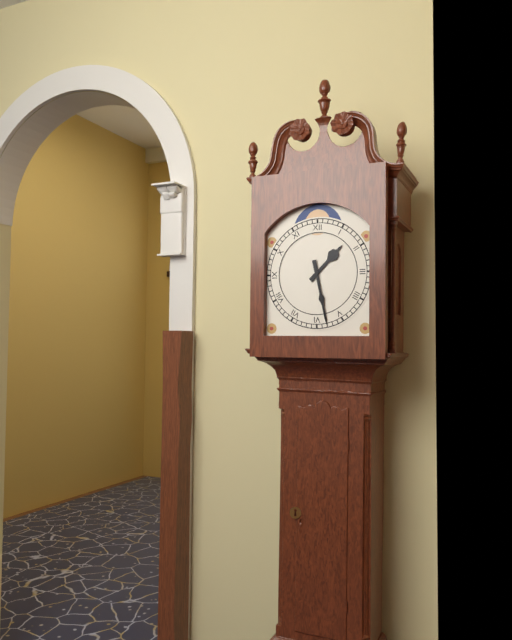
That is 1 h 28 min
